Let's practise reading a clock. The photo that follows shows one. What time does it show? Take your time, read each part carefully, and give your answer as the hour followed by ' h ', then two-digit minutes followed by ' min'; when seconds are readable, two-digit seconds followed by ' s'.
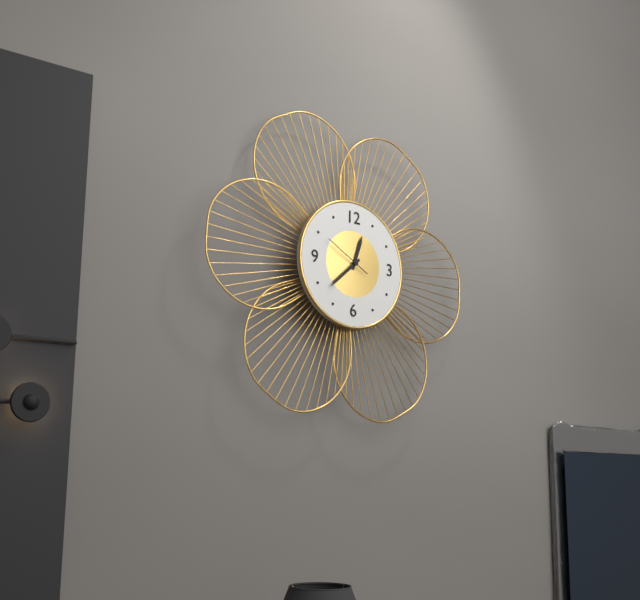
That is 12 h 38 min
